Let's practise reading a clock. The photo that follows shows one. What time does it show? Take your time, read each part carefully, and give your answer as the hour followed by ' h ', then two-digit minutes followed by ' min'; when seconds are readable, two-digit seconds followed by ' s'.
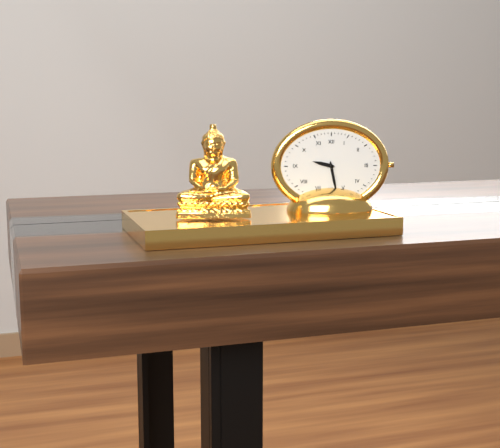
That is 9 h 28 min
